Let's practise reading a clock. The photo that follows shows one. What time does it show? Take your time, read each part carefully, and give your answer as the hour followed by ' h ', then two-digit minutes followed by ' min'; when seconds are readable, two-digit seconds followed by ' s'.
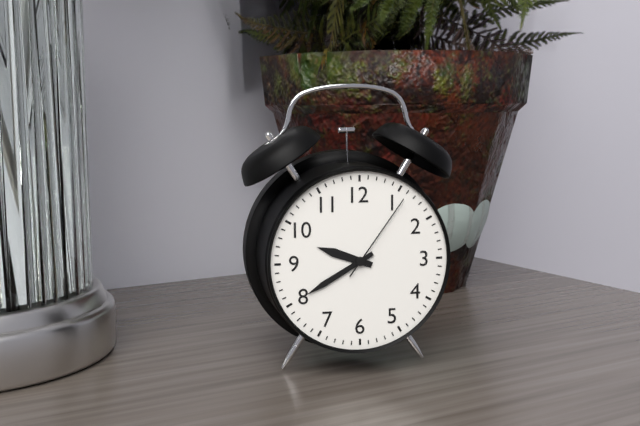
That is 9 h 40 min 06 s
